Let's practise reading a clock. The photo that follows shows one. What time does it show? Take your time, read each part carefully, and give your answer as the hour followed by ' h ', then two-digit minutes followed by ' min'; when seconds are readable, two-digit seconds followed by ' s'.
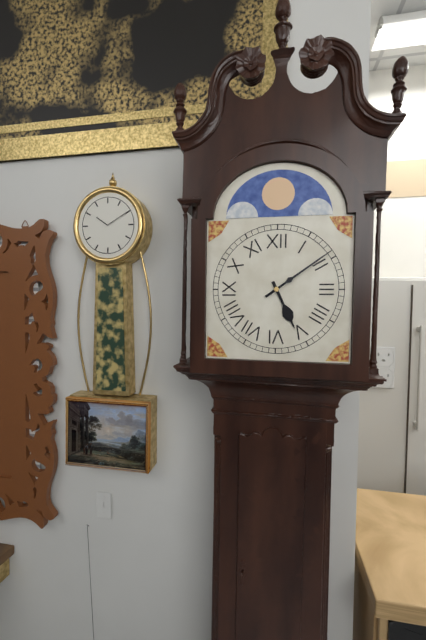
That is 5 h 09 min
